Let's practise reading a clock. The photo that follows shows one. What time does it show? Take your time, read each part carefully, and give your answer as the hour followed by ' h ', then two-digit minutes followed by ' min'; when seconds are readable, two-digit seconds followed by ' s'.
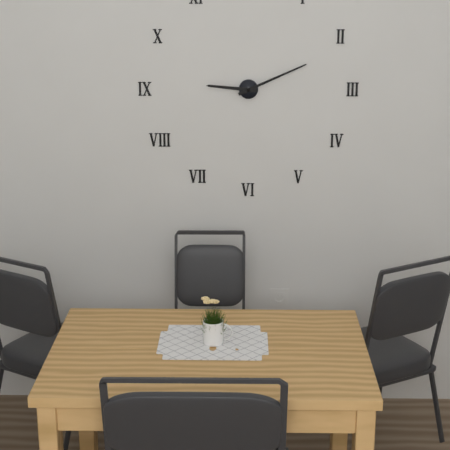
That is 9 h 11 min
